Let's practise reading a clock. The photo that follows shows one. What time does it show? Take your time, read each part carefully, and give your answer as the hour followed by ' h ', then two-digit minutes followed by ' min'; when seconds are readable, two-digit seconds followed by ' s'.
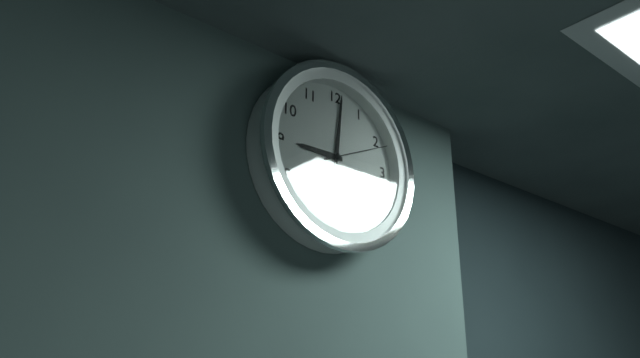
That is 9 h 01 min 11 s
